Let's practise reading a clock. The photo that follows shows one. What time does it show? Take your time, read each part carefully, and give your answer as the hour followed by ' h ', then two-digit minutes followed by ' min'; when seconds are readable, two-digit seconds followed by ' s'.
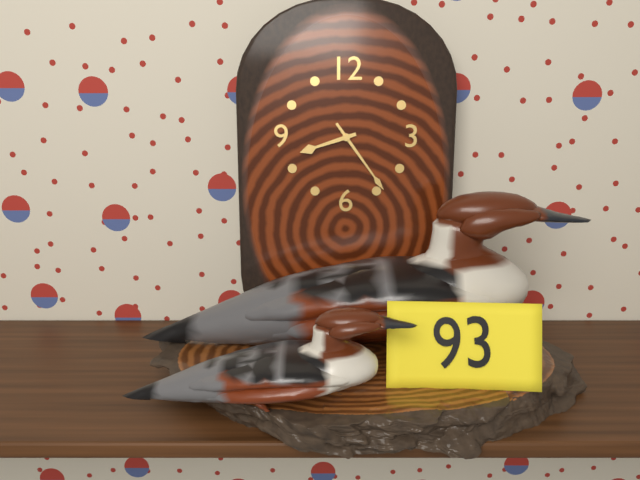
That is 8 h 24 min
